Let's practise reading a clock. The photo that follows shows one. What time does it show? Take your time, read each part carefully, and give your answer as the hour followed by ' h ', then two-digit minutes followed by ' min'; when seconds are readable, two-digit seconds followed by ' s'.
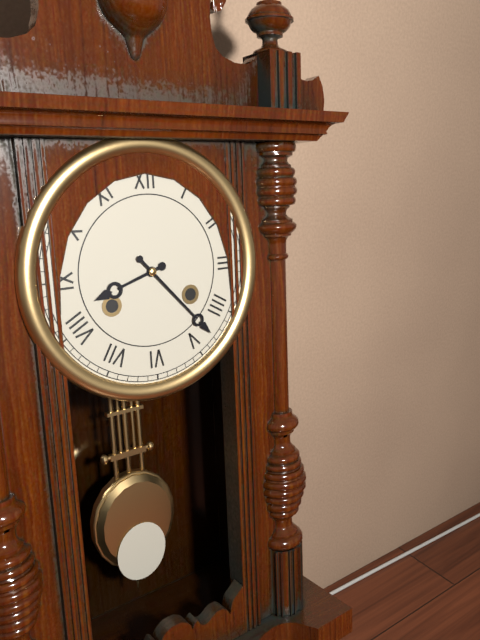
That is 8 h 23 min
